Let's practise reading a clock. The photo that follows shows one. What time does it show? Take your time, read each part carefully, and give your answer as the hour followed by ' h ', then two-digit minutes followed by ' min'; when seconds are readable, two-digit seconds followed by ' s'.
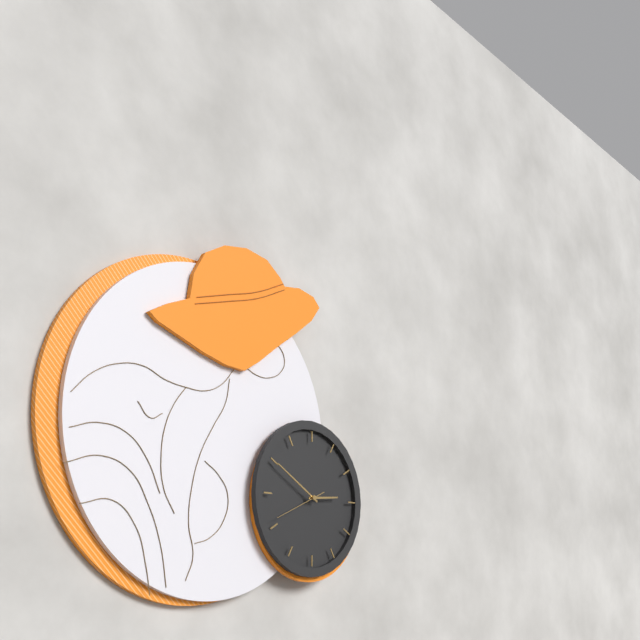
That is 2 h 50 min 41 s
